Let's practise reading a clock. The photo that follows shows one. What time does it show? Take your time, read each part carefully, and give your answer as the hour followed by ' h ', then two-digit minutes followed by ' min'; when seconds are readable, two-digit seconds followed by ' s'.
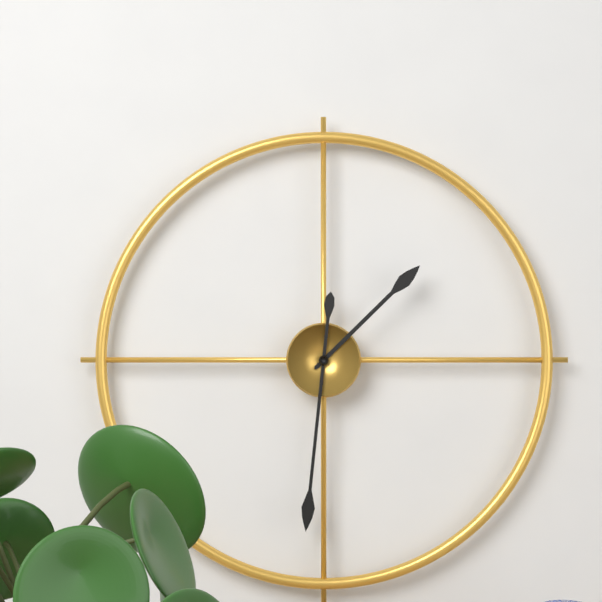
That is 1 h 31 min
